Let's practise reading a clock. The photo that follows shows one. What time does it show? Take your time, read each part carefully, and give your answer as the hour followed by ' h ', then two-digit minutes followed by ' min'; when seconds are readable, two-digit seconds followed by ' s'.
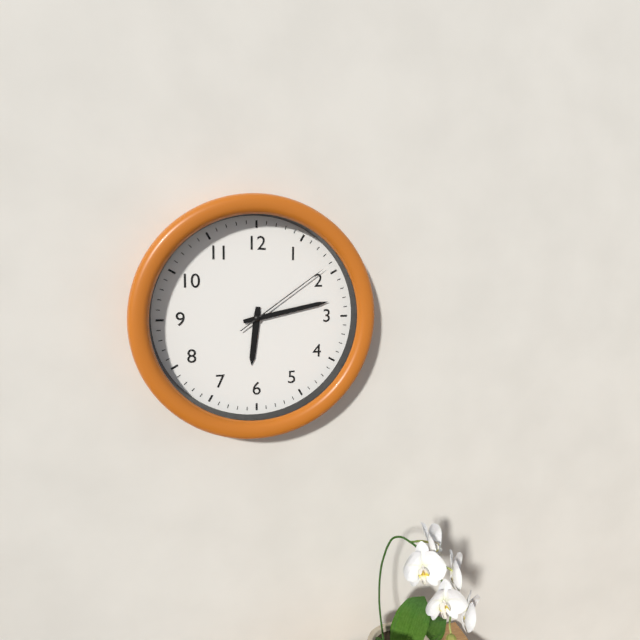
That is 6 h 13 min 09 s
